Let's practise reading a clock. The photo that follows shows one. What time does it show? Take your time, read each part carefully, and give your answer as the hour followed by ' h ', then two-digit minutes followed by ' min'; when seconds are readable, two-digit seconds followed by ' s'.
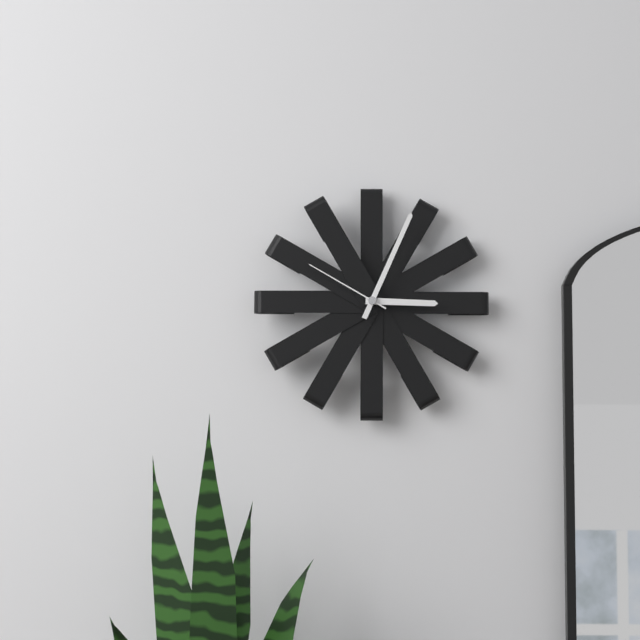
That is 3 h 04 min 50 s
